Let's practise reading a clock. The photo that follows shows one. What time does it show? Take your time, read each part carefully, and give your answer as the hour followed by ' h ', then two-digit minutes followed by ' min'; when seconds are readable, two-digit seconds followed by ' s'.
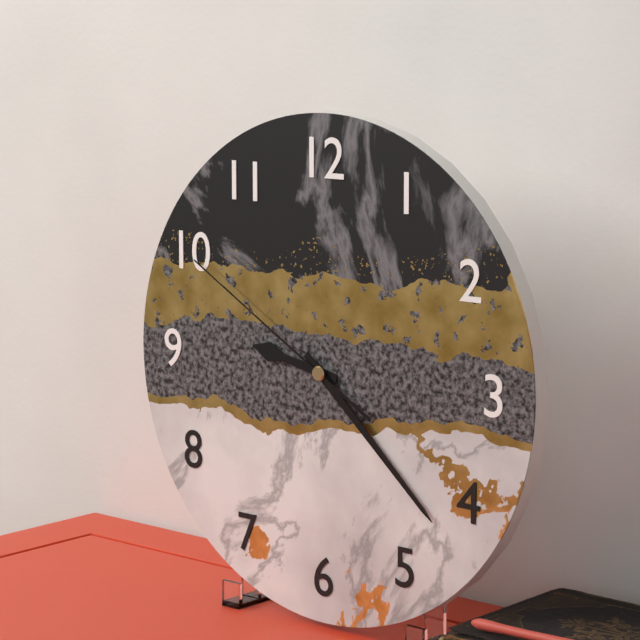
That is 9 h 22 min 50 s
